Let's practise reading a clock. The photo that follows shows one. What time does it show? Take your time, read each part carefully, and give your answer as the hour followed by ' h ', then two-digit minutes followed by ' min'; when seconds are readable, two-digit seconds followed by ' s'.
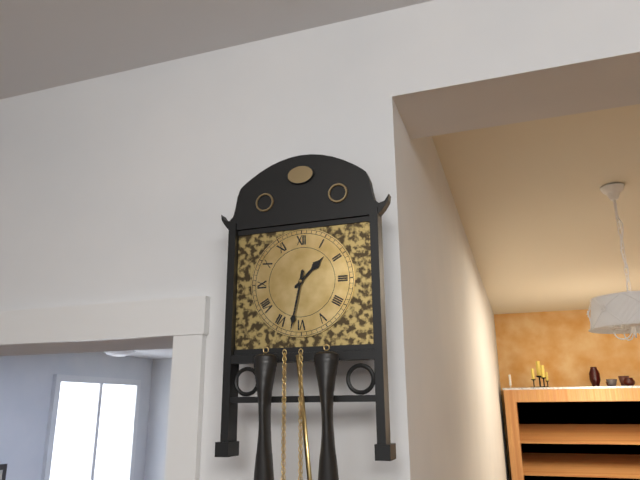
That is 1 h 32 min
